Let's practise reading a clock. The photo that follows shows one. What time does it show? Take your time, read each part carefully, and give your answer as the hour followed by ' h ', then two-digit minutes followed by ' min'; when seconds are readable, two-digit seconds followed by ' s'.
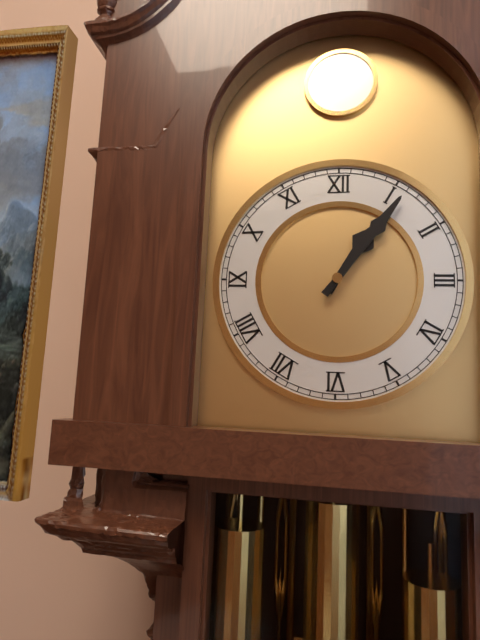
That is 1 h 06 min
